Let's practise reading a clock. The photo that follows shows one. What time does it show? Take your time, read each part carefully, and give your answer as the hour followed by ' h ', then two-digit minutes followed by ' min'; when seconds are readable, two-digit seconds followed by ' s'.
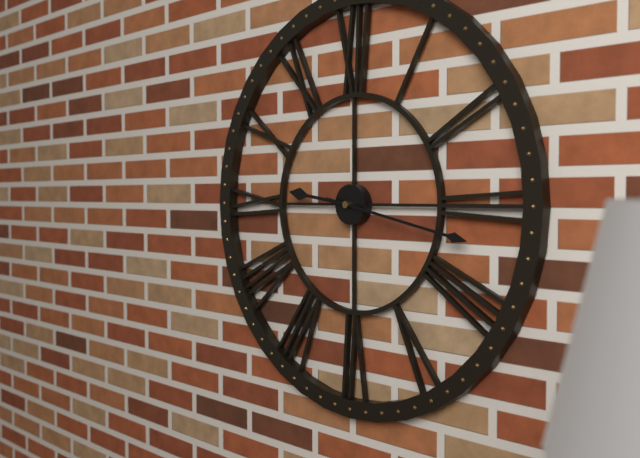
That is 9 h 17 min
